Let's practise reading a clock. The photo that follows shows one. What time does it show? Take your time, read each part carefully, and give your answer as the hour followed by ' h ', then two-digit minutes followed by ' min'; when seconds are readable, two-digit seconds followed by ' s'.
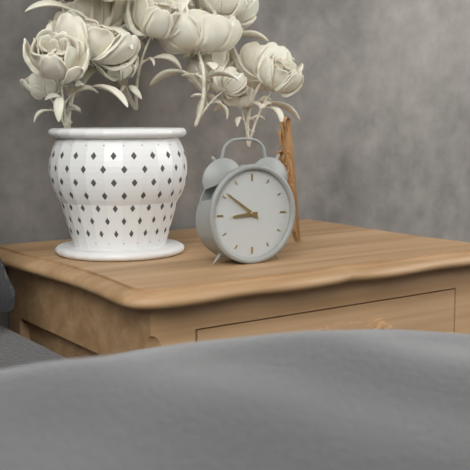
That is 8 h 51 min
